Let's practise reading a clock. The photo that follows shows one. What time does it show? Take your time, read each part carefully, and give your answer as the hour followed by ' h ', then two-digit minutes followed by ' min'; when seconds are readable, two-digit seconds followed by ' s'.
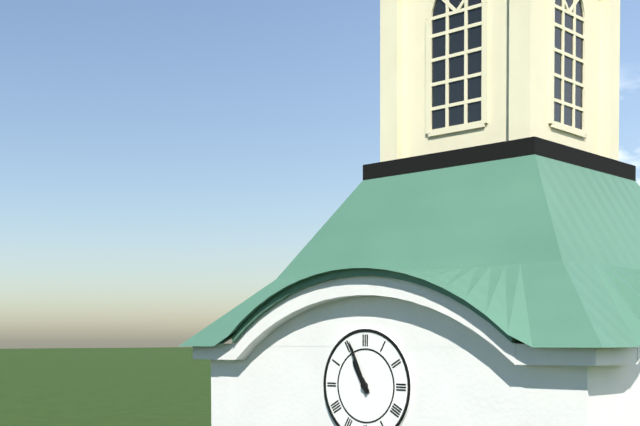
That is 10 h 56 min
